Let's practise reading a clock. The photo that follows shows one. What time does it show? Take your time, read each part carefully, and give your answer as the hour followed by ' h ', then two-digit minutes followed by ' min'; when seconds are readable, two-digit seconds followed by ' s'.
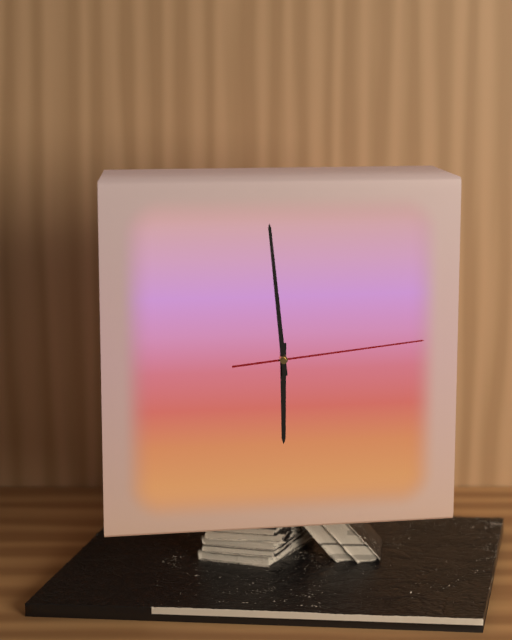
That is 5 h 59 min 14 s
